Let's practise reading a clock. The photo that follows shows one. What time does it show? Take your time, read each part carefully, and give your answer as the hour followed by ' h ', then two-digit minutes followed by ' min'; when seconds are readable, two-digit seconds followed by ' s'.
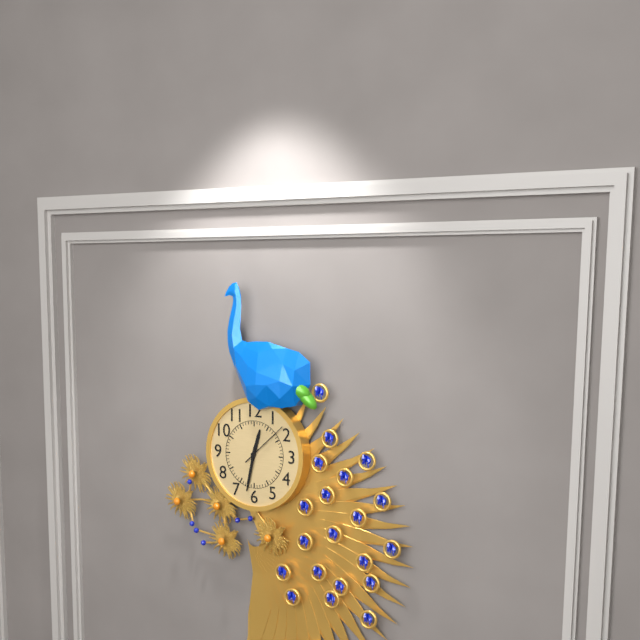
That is 12 h 32 min 08 s
